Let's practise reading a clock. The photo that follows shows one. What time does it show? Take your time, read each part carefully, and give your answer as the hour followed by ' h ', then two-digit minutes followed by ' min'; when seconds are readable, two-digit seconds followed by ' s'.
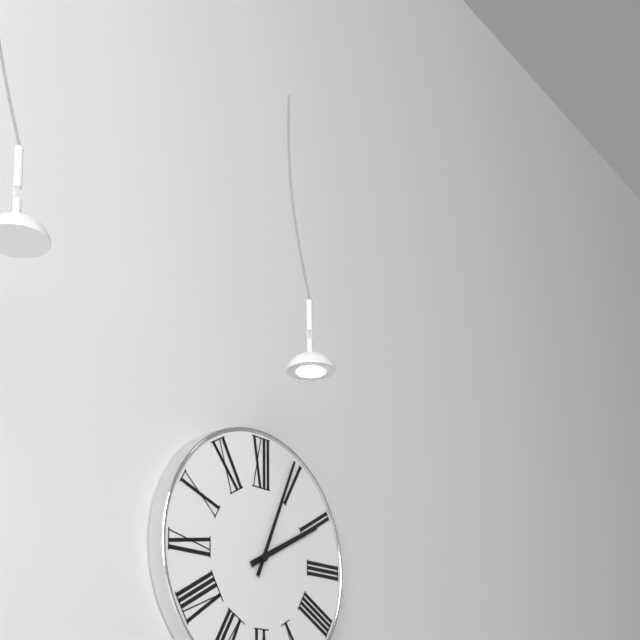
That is 2 h 04 min
